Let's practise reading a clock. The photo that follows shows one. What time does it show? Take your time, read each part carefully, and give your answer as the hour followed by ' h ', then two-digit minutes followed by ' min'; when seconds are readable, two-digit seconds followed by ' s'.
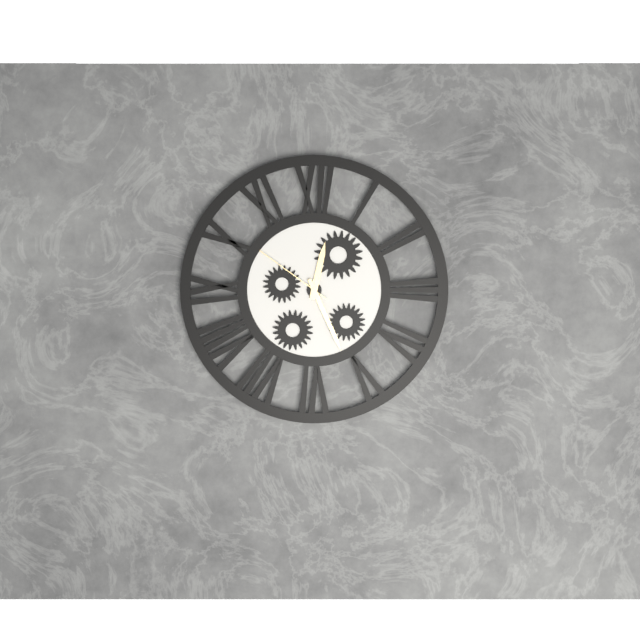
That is 12 h 26 min 51 s
